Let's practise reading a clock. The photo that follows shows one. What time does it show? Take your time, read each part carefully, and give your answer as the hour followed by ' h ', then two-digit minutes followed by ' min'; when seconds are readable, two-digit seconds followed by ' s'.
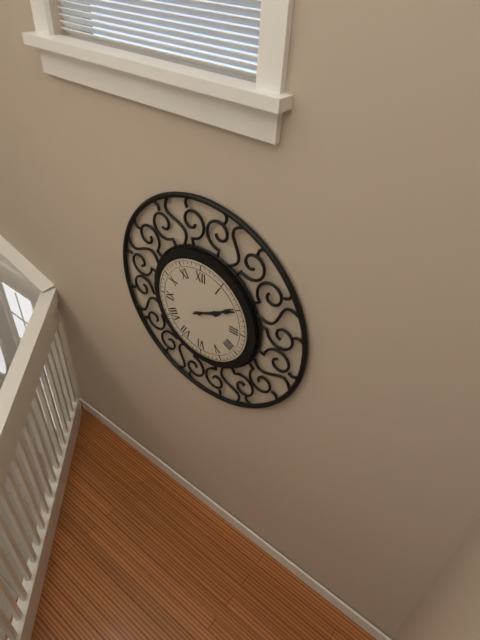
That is 2 h 10 min
